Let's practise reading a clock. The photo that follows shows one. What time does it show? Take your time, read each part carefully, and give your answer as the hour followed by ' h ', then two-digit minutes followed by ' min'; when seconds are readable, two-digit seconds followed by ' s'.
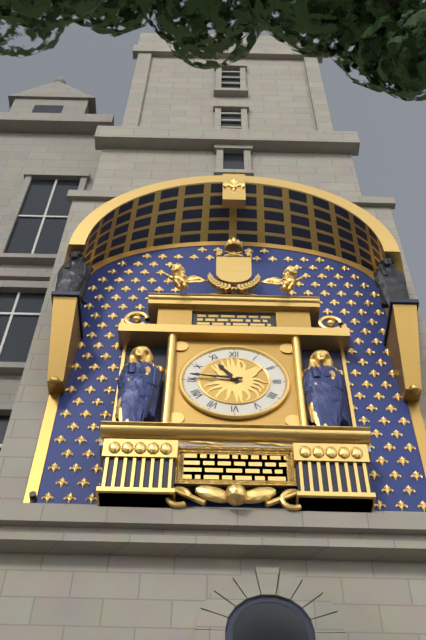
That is 10 h 46 min
